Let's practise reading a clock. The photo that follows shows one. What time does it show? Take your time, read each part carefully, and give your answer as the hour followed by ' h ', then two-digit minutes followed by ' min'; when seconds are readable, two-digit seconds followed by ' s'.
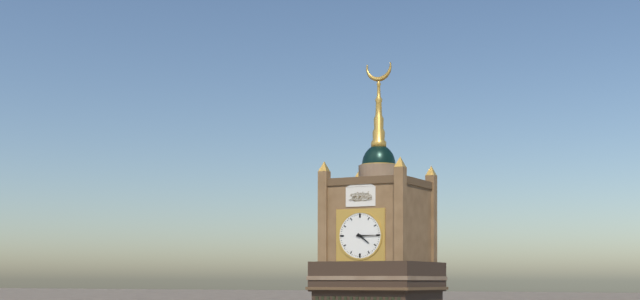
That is 4 h 15 min
